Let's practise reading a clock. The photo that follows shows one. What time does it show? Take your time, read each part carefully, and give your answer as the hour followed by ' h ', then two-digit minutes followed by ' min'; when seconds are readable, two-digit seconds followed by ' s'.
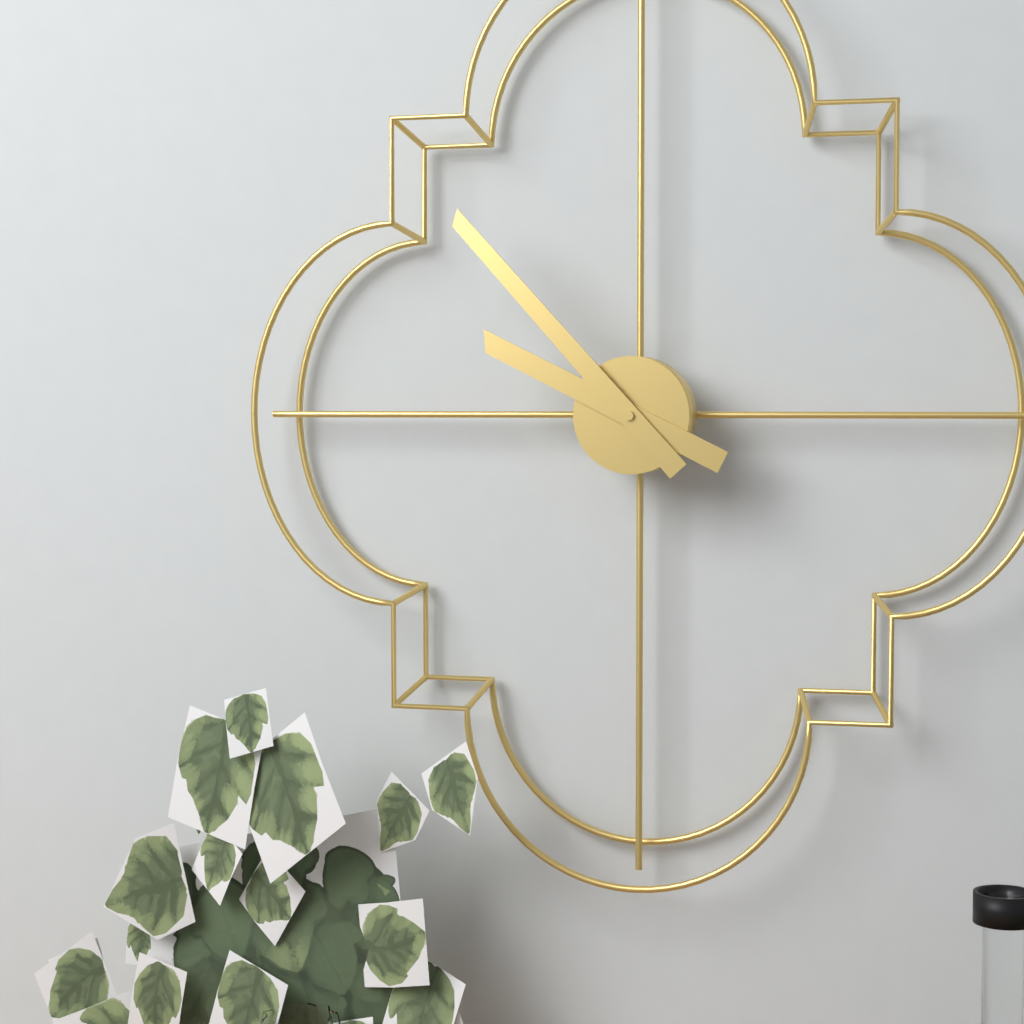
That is 9 h 53 min
